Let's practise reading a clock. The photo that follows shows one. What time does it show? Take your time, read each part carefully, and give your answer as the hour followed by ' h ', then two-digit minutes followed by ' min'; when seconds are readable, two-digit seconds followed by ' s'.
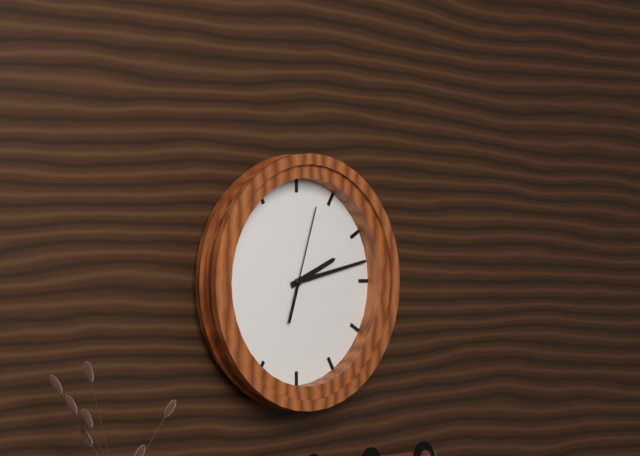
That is 2 h 13 min 03 s
